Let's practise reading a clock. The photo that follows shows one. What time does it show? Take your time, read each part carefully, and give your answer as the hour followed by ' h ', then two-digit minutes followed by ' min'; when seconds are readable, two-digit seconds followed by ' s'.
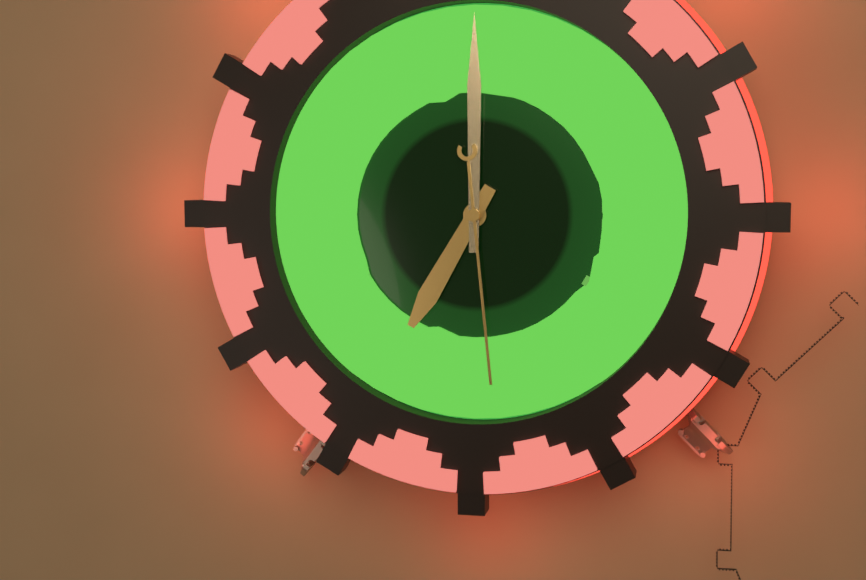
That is 7 h 00 min 29 s
